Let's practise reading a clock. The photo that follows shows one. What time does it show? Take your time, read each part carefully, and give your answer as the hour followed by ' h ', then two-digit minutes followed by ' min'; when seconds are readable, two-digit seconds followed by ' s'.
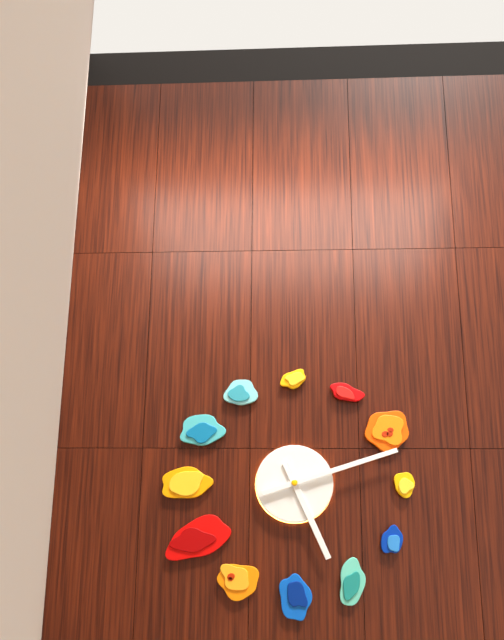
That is 5 h 12 min
